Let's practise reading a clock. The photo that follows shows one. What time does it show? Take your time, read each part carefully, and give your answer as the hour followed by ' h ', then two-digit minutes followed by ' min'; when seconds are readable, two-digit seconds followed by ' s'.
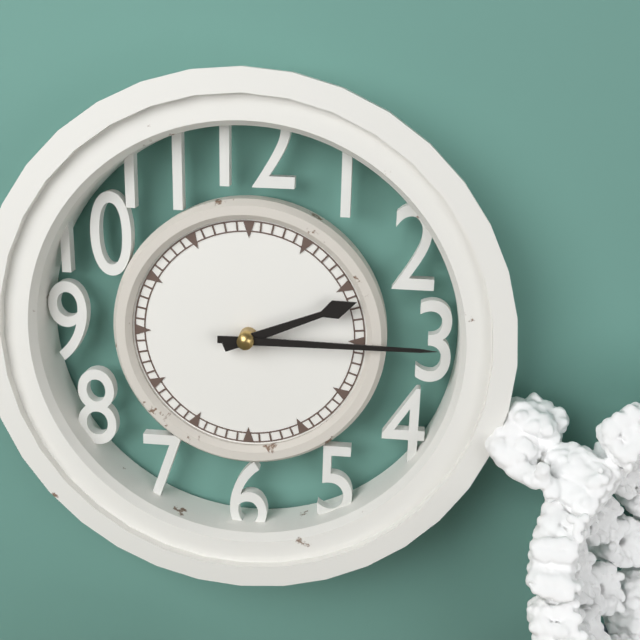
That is 2 h 15 min
